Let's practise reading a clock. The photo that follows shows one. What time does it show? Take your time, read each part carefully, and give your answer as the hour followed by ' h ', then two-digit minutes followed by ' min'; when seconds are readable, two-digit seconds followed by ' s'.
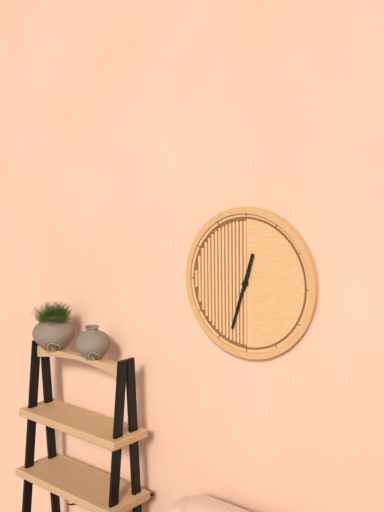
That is 12 h 33 min
